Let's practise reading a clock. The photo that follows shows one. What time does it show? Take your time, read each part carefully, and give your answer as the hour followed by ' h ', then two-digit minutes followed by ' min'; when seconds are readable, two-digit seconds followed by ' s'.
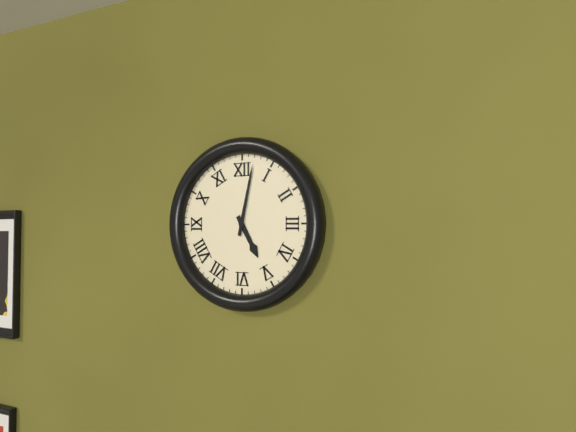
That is 5 h 02 min
